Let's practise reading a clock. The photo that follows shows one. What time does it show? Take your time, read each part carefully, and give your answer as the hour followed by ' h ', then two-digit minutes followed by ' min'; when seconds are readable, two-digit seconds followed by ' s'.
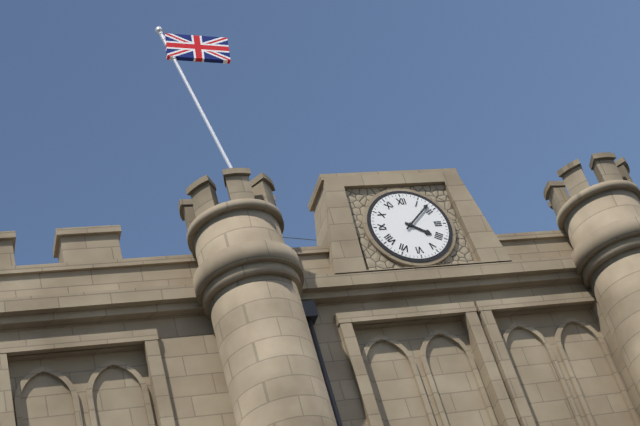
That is 4 h 08 min
